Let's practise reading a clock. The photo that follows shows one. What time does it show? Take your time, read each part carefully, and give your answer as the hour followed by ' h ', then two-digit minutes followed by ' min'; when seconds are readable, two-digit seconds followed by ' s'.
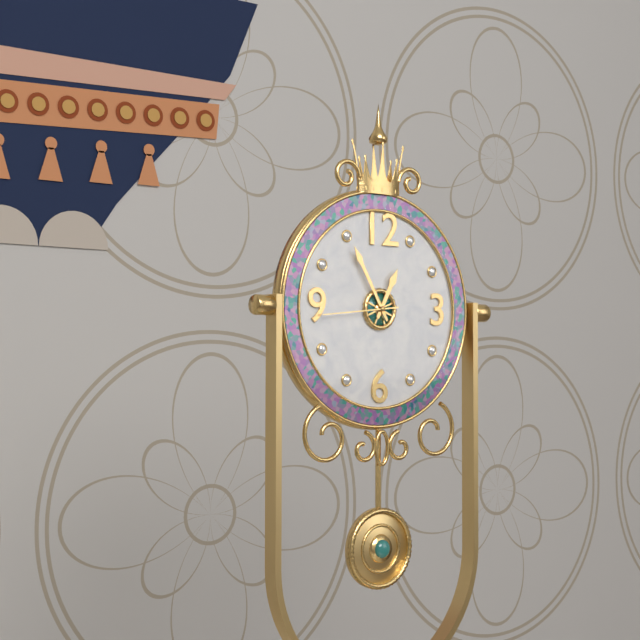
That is 12 h 55 min 44 s
